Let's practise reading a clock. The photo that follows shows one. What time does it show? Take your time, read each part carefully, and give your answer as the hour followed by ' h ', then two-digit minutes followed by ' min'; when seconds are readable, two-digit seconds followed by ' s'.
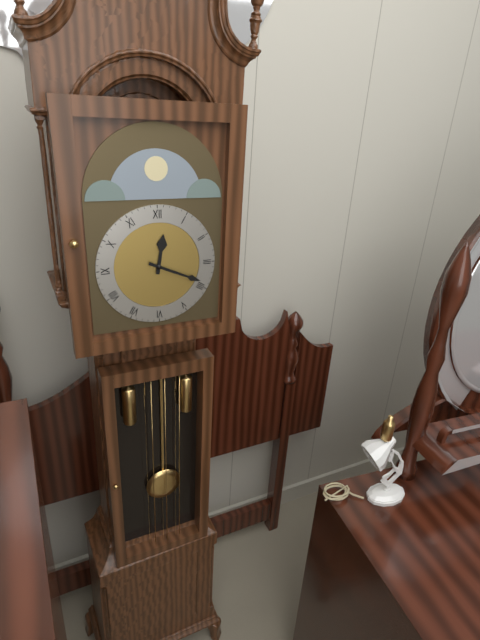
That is 12 h 19 min
